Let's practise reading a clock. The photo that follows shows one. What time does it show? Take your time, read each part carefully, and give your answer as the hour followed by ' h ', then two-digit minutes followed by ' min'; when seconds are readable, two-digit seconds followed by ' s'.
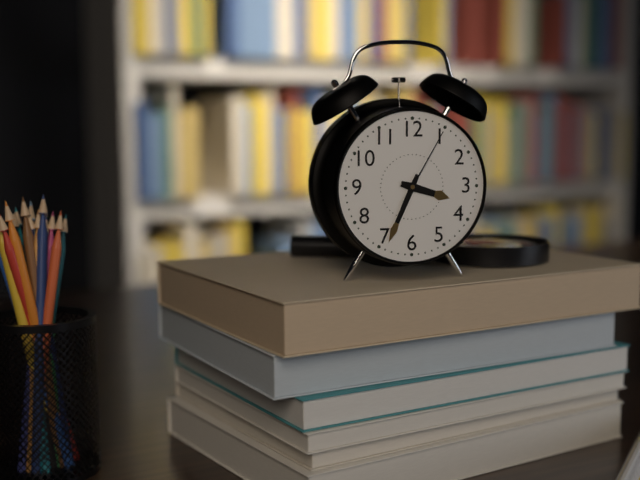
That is 3 h 34 min 05 s
